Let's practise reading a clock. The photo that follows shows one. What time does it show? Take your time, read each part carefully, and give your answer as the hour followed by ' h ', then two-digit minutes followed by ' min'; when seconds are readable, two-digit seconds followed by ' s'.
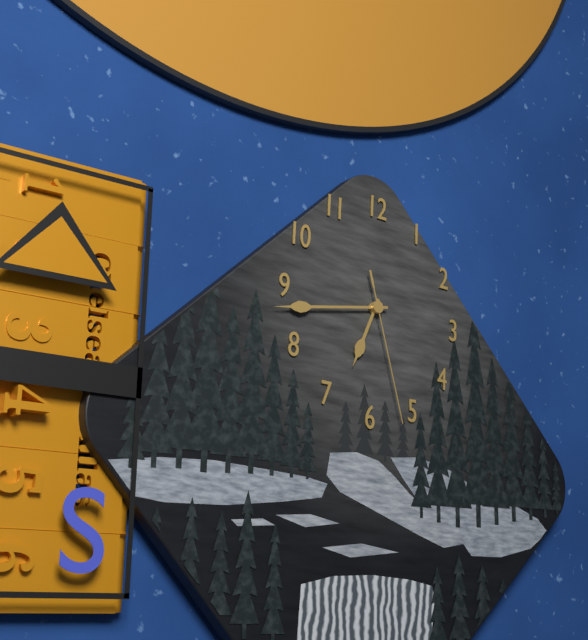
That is 6 h 43 min 27 s
